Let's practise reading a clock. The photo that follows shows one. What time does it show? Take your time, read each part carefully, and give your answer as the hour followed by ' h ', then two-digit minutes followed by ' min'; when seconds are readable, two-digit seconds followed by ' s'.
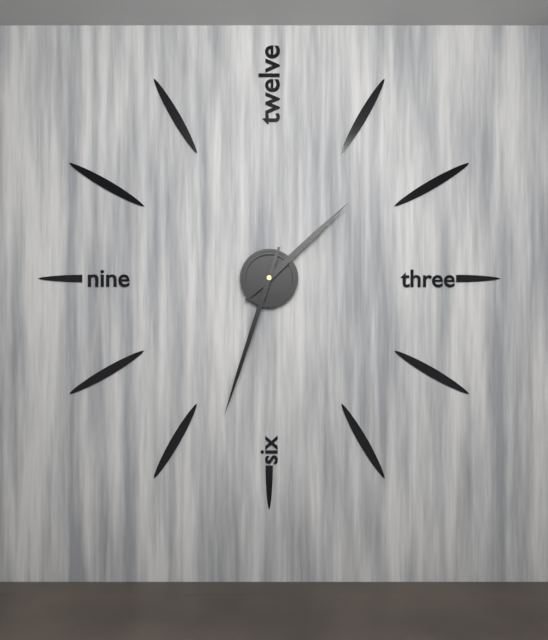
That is 1 h 33 min
